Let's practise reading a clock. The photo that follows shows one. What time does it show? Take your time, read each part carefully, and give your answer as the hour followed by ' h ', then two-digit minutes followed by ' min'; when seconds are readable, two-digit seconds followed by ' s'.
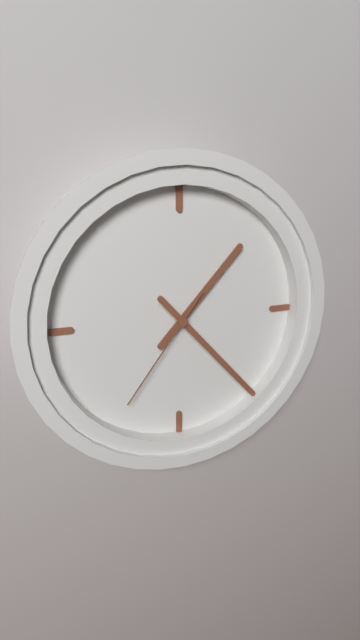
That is 1 h 23 min 36 s
